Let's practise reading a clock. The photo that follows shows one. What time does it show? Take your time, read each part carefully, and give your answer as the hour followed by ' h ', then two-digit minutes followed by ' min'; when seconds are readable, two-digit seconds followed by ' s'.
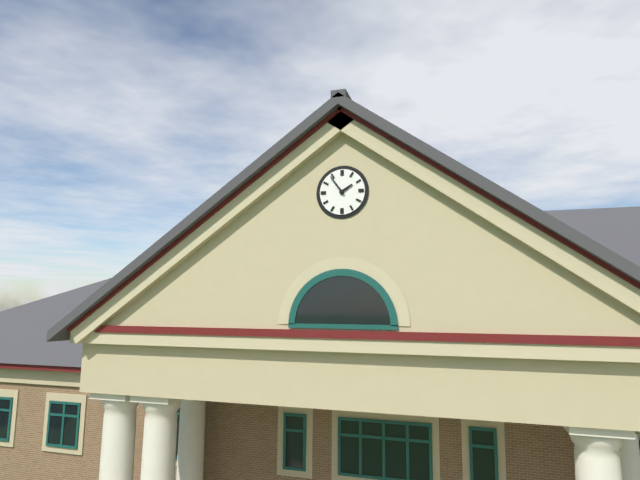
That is 1 h 54 min
